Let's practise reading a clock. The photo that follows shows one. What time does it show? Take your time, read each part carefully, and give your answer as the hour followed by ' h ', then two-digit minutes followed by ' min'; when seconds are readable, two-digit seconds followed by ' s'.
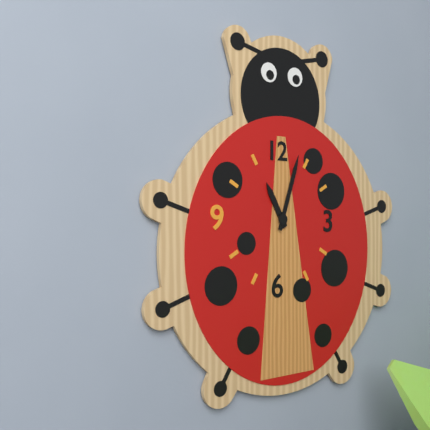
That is 11 h 03 min
